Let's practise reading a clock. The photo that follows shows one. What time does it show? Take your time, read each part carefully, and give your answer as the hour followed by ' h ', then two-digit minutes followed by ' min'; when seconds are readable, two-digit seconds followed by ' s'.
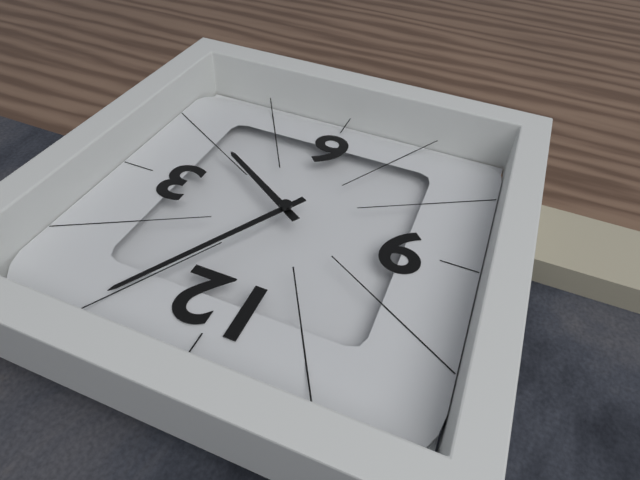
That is 4 h 05 min
